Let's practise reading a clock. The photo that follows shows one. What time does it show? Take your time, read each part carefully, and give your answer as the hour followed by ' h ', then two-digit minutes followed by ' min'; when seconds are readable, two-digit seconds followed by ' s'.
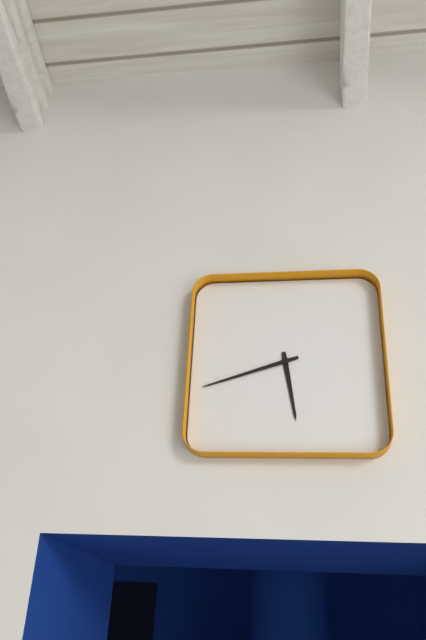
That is 5 h 42 min
